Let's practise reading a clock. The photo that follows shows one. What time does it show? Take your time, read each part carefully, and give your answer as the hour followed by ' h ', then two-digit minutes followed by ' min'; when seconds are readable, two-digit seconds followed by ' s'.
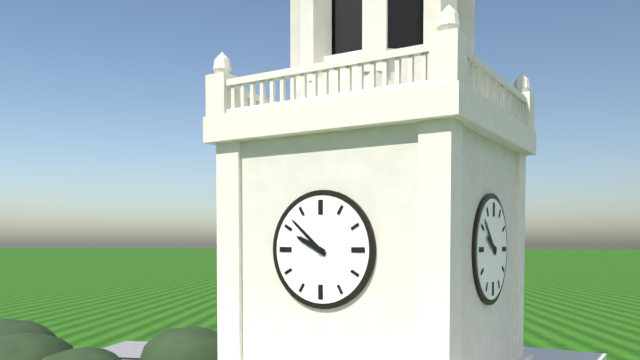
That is 9 h 52 min
